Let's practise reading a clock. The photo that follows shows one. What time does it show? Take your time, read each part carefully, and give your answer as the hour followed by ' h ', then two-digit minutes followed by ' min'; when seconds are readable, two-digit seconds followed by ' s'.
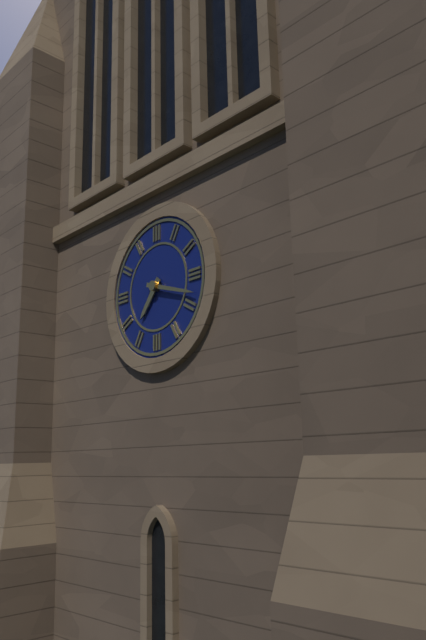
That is 7 h 18 min
